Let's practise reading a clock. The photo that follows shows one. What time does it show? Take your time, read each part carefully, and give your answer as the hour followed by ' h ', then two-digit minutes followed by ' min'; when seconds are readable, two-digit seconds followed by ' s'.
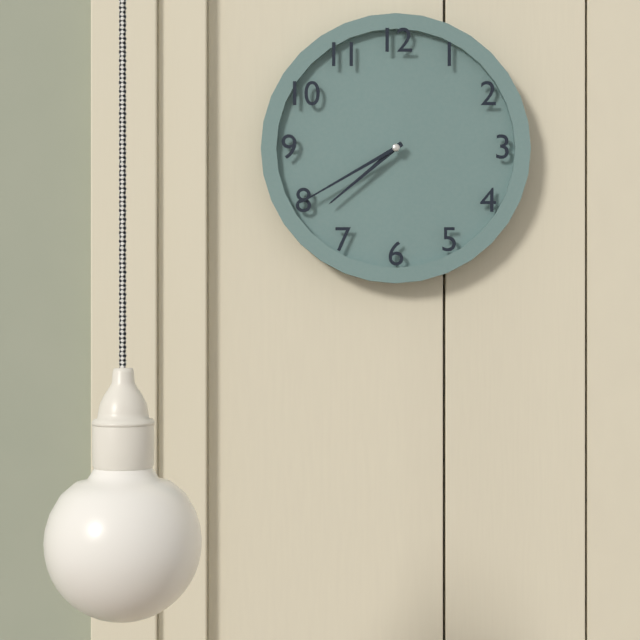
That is 7 h 40 min
